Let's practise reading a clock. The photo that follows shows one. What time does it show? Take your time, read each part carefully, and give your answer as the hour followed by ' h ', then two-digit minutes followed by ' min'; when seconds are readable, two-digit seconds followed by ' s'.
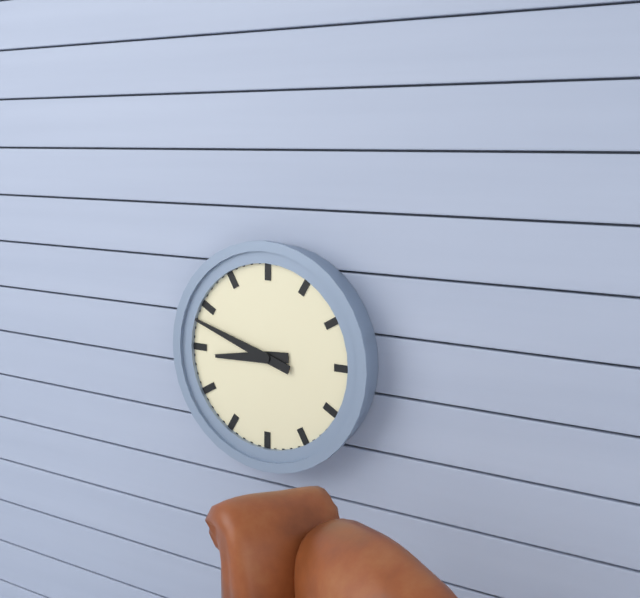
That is 8 h 48 min
